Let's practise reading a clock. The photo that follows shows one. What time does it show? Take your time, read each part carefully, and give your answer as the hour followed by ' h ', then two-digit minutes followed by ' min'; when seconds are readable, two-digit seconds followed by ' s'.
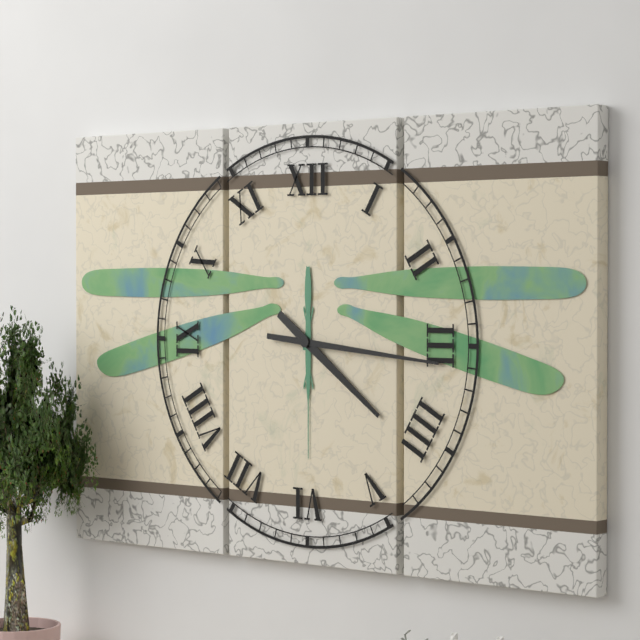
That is 4 h 16 min
